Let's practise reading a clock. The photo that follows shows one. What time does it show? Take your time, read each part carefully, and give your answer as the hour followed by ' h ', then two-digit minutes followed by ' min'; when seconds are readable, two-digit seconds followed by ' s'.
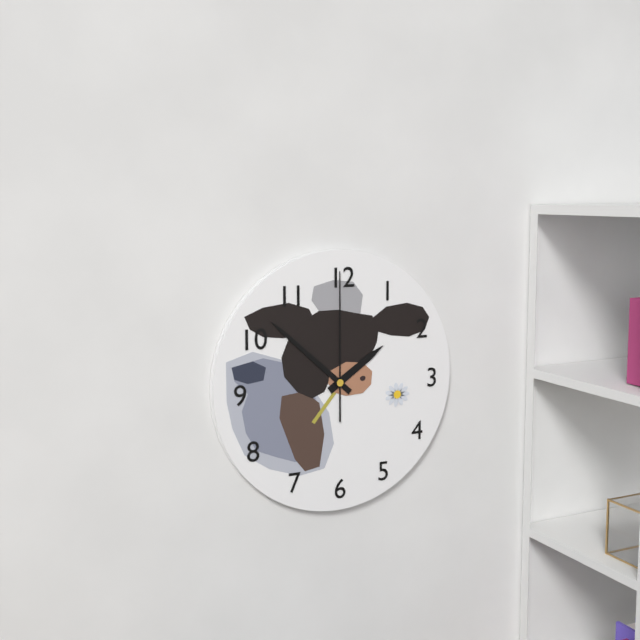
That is 1 h 52 min 00 s
